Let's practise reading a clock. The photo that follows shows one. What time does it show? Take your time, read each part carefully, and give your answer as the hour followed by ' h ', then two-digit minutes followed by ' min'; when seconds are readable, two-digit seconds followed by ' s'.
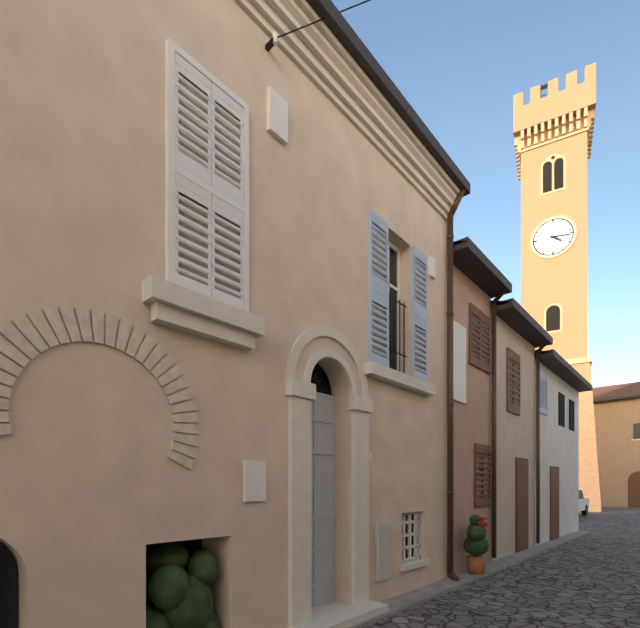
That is 4 h 16 min
